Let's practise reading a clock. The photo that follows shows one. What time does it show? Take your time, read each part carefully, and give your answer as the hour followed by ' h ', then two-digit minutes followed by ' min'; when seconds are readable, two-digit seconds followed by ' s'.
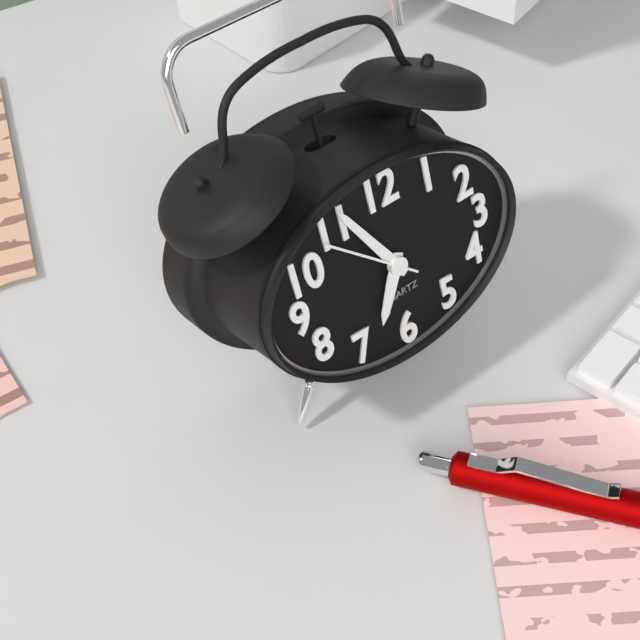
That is 6 h 55 min 52 s
